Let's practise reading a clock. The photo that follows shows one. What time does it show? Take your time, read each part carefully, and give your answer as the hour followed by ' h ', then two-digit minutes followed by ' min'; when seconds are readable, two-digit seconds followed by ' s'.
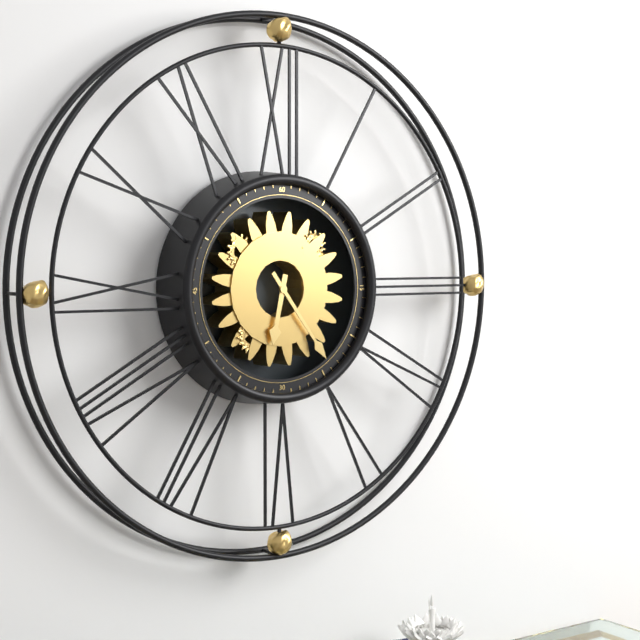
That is 6 h 24 min
